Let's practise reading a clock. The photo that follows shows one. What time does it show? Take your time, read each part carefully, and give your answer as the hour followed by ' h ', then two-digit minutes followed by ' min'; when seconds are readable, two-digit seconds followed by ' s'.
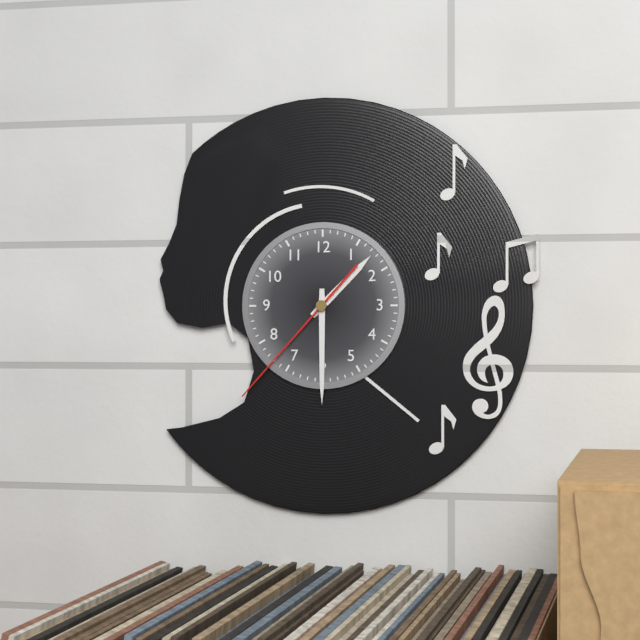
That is 1 h 30 min 37 s
